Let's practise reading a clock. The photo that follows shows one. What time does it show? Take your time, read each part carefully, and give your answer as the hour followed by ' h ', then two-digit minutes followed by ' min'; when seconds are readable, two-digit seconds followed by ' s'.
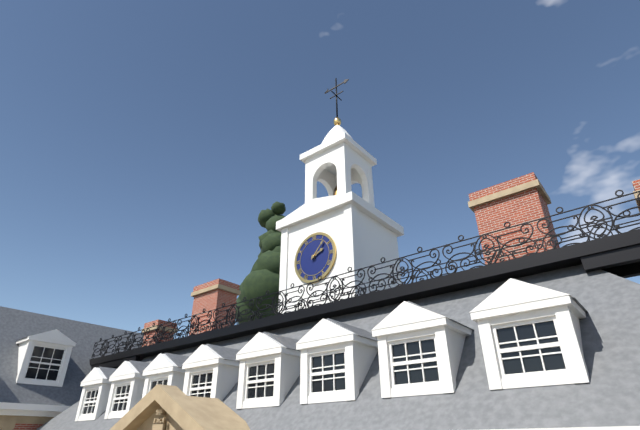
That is 2 h 07 min
